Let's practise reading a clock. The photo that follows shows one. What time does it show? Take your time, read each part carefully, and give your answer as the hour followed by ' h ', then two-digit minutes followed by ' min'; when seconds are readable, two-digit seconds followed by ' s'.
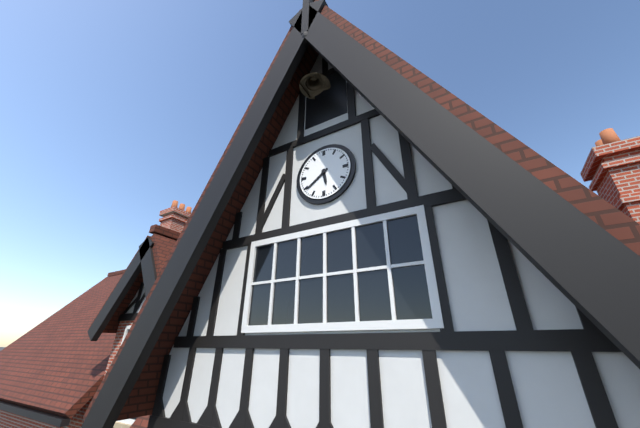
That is 5 h 39 min
